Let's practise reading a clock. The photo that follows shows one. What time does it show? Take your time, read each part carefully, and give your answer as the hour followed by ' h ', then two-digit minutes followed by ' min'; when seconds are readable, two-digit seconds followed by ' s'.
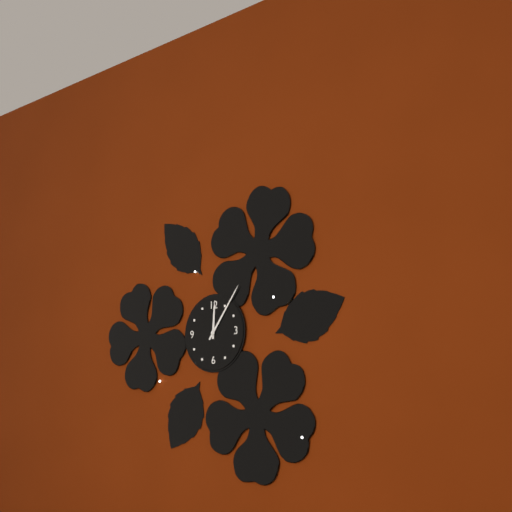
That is 12 h 06 min
